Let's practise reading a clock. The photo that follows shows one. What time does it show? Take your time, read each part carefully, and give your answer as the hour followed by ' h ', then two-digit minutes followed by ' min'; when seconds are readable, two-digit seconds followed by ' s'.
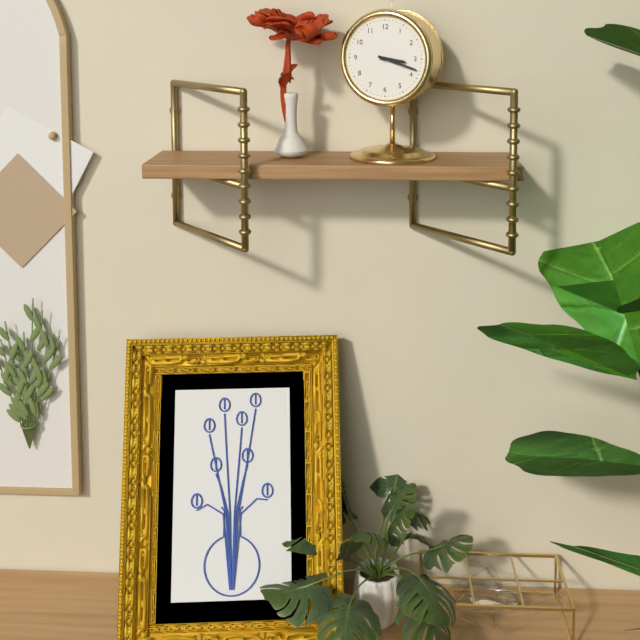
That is 3 h 18 min
